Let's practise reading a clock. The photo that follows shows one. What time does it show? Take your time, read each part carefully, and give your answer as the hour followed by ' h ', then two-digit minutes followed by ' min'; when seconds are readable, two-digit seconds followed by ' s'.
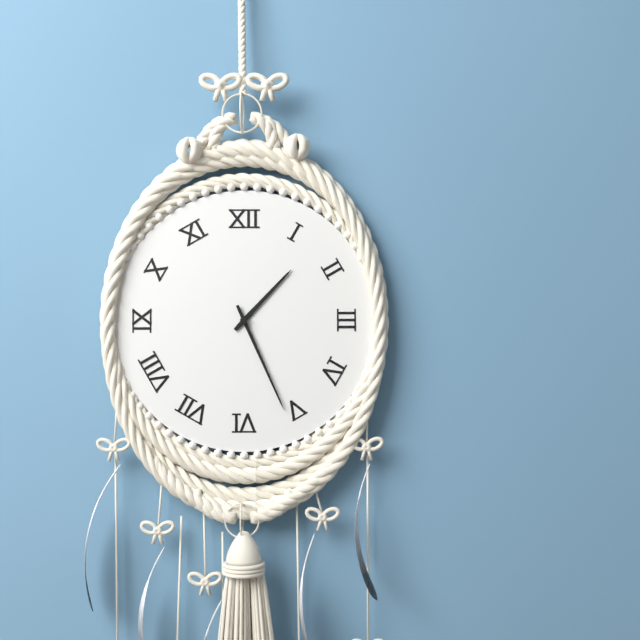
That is 1 h 26 min
